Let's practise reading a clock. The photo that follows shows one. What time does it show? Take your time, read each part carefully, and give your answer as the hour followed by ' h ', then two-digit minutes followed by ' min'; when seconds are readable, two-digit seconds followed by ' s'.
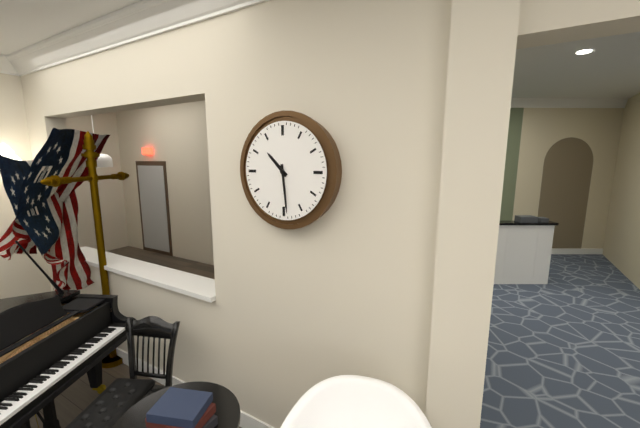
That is 10 h 29 min
